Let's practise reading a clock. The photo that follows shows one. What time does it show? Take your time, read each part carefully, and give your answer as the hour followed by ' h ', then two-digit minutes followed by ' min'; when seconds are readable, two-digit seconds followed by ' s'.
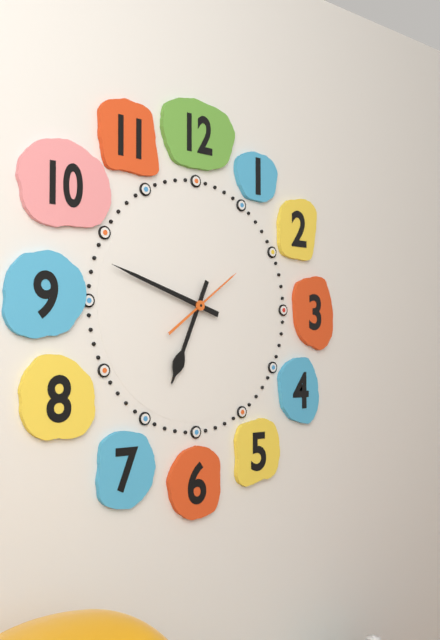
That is 6 h 48 min 09 s
